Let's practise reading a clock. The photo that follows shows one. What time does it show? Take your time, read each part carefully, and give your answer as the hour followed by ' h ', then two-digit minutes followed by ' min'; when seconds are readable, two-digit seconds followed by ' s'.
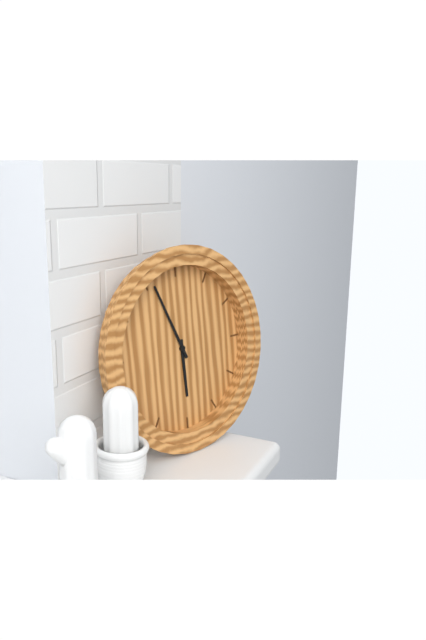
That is 5 h 56 min
